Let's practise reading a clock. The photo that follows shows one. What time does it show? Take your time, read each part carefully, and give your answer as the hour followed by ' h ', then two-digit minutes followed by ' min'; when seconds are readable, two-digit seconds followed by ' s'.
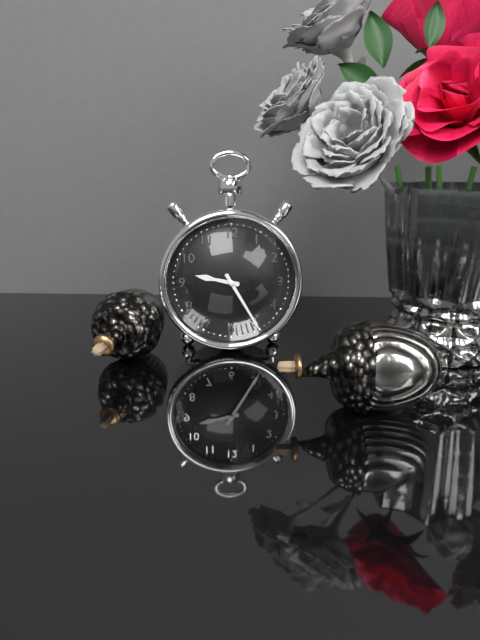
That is 9 h 25 min
